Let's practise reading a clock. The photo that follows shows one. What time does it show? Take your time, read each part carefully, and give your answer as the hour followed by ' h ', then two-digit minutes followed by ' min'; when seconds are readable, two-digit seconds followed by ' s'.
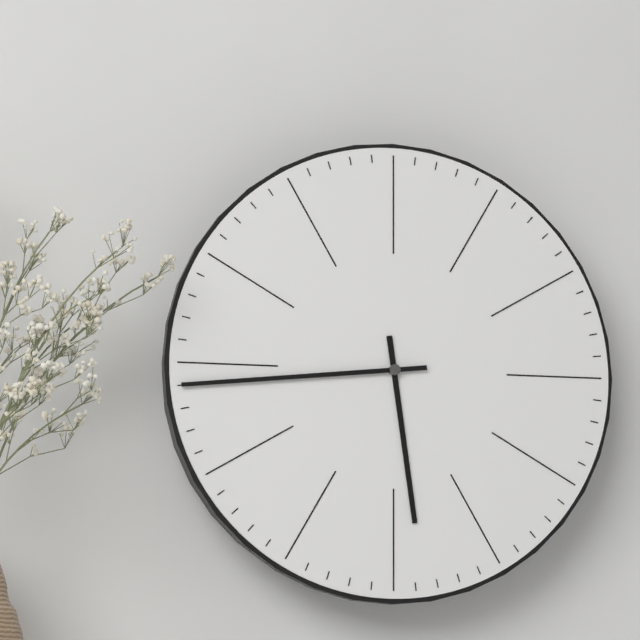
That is 5 h 44 min
